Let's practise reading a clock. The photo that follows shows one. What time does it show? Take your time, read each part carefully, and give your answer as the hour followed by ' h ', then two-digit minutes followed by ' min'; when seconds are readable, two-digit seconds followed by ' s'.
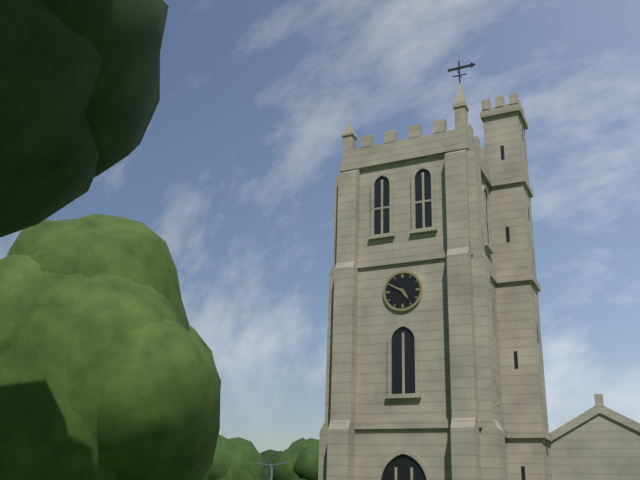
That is 4 h 50 min
